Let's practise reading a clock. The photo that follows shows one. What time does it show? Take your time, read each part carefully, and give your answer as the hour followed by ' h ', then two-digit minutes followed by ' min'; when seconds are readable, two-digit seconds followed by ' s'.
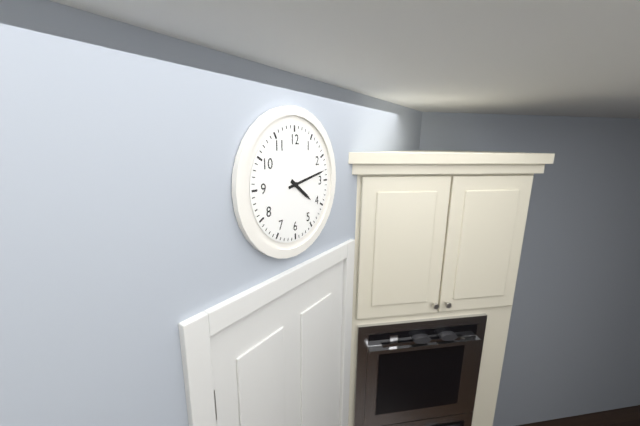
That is 4 h 13 min
